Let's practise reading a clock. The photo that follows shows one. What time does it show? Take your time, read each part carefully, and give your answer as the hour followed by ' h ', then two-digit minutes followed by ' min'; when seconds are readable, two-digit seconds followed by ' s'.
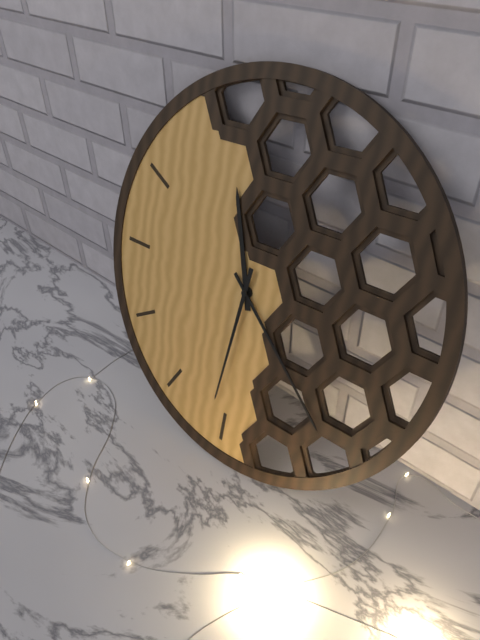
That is 11 h 22 min 31 s
